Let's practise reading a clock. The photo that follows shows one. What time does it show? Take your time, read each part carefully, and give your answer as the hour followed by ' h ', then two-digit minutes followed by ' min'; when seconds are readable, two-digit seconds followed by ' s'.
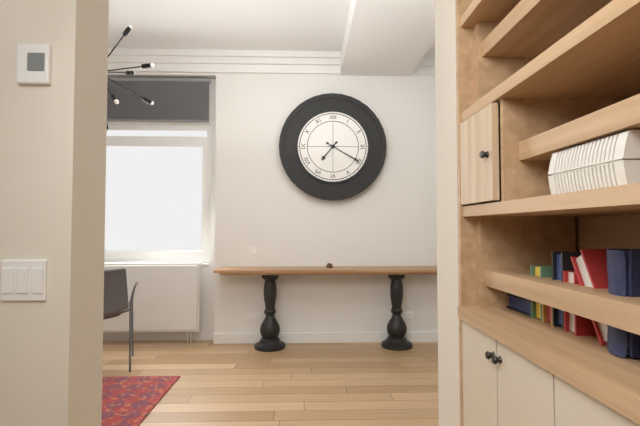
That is 7 h 20 min
